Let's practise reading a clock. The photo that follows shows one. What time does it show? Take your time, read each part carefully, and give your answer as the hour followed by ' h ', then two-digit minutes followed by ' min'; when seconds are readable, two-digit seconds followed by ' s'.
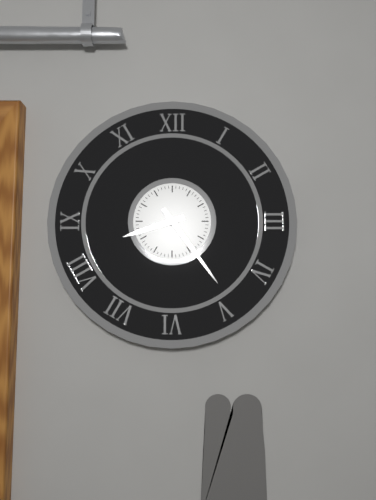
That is 8 h 24 min
